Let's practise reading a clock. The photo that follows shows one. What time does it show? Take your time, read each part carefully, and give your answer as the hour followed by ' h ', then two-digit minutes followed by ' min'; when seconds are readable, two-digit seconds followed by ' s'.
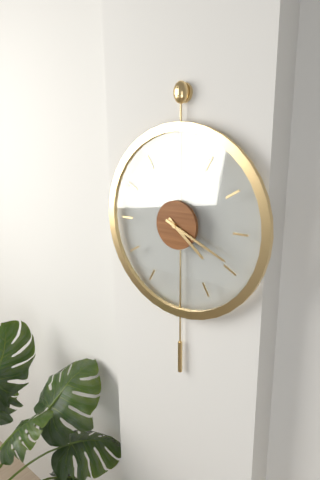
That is 4 h 19 min
